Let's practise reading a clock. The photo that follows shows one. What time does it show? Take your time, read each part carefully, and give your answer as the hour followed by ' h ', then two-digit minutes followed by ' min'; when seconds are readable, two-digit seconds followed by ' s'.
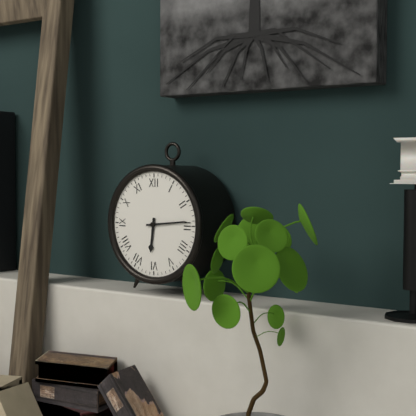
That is 6 h 14 min
